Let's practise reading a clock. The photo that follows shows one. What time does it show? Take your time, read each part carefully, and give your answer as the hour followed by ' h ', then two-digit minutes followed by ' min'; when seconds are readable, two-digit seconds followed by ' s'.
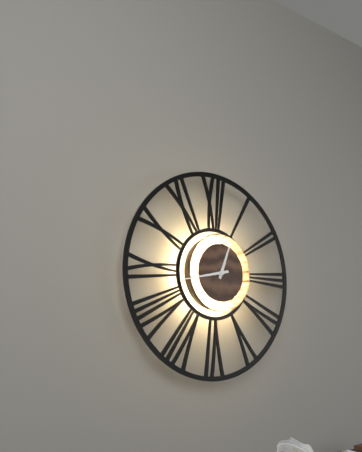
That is 12 h 43 min
